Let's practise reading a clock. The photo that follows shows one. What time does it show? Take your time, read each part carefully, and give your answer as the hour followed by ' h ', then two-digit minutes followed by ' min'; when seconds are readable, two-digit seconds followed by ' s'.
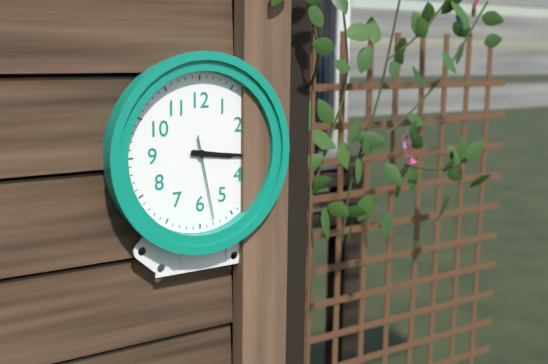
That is 3 h 16 min 28 s
